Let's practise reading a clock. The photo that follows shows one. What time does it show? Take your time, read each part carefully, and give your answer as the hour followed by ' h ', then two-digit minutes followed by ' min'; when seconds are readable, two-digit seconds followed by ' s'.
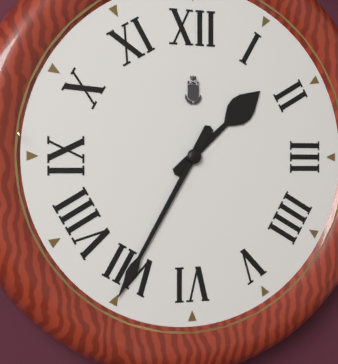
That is 1 h 35 min
